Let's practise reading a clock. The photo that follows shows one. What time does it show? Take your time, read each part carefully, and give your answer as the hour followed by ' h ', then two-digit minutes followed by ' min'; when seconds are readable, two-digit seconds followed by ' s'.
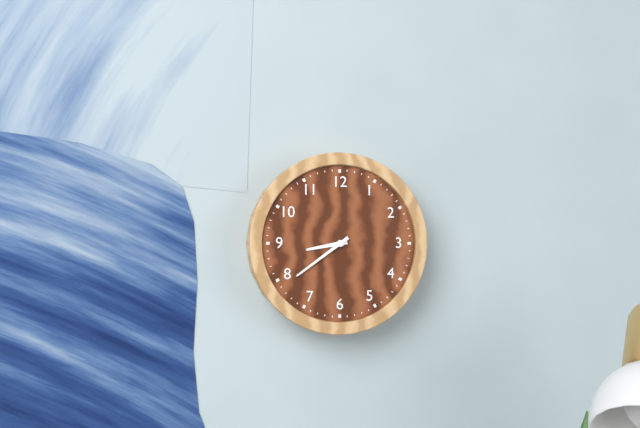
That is 8 h 39 min
